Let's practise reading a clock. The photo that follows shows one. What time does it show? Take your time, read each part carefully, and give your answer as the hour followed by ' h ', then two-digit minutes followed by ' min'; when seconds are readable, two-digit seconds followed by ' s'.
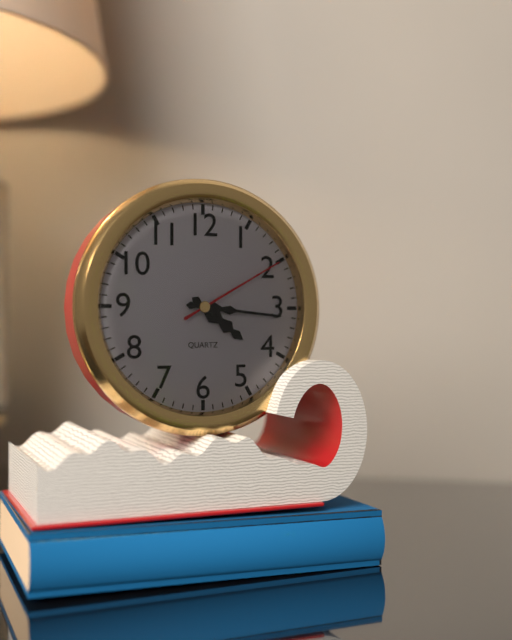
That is 4 h 16 min 10 s
